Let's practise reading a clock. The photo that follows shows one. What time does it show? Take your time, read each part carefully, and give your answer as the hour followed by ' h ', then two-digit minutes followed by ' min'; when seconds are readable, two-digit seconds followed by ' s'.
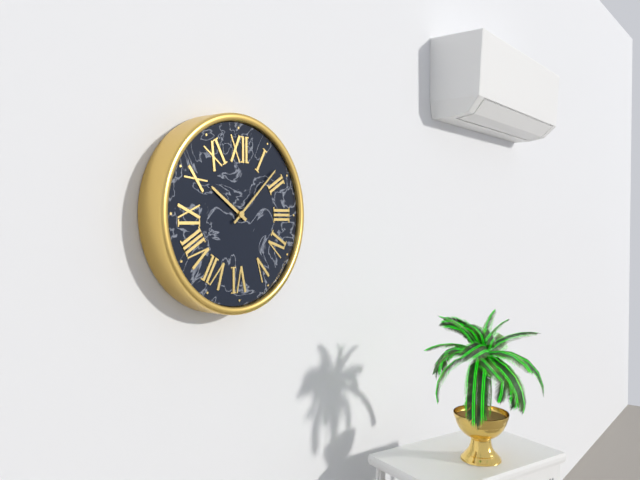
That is 10 h 08 min
